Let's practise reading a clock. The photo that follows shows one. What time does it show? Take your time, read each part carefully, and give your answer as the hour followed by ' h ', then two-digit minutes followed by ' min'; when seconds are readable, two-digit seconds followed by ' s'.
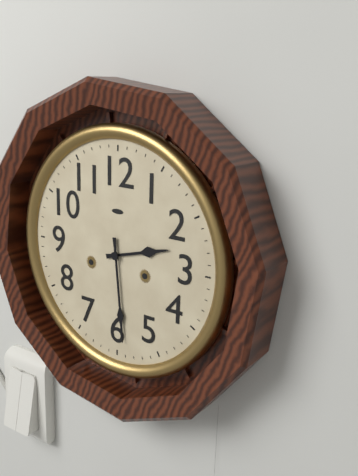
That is 2 h 29 min
